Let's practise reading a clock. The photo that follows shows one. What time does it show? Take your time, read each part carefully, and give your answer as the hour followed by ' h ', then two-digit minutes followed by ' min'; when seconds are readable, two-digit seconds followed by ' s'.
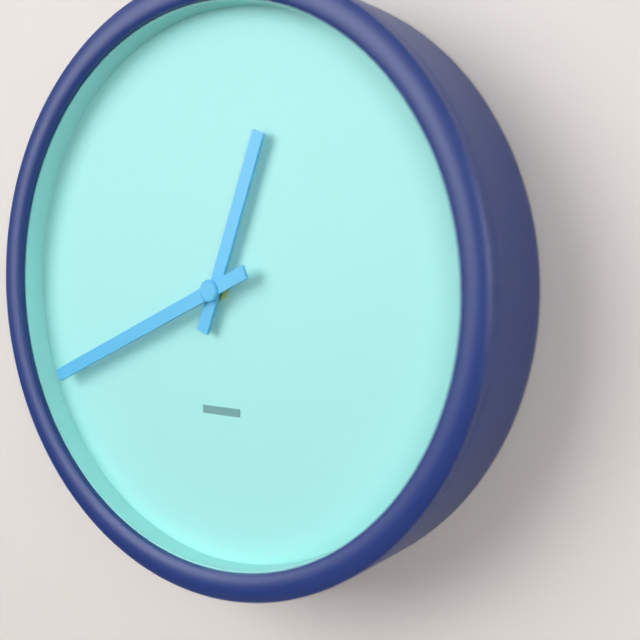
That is 12 h 41 min
